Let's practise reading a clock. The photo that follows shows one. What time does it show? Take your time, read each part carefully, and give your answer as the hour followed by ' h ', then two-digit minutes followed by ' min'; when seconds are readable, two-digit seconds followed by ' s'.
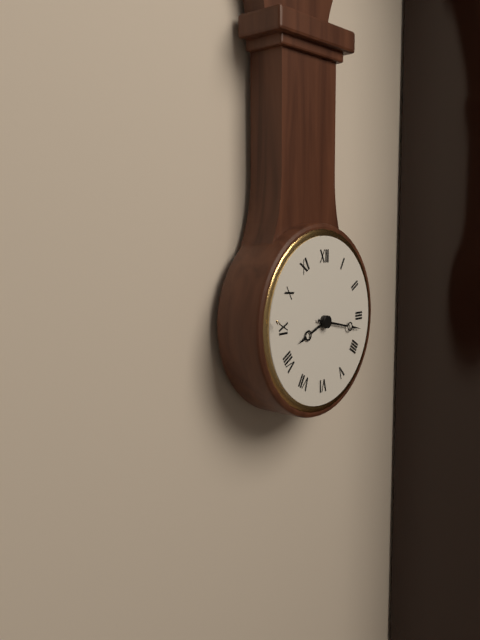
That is 8 h 17 min
